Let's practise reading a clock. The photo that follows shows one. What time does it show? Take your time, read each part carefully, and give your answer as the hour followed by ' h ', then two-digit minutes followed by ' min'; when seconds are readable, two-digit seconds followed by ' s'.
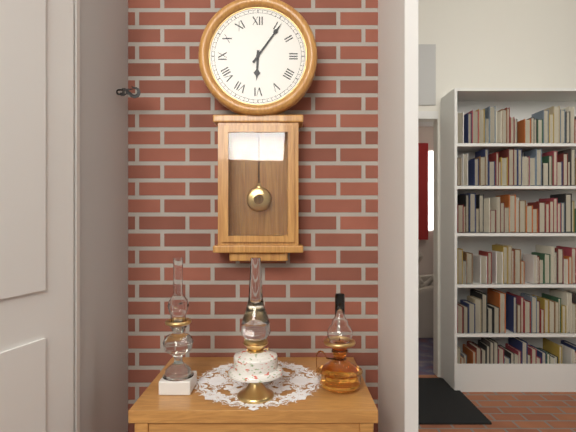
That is 6 h 06 min
